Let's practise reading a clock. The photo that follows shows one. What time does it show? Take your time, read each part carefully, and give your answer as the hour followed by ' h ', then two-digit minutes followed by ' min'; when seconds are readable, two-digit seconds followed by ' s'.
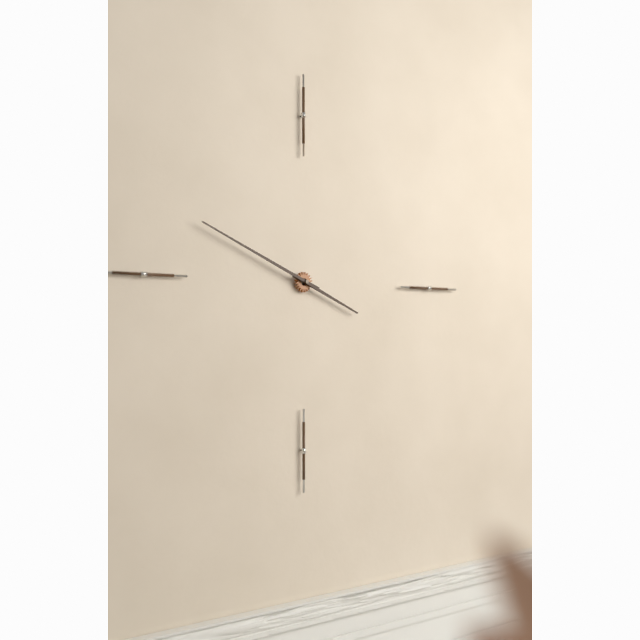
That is 3 h 49 min
